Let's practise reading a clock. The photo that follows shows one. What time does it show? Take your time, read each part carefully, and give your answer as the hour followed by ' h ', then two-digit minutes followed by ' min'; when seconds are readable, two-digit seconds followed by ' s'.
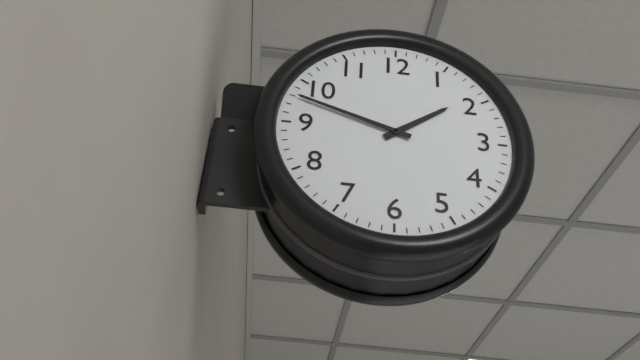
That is 1 h 48 min
